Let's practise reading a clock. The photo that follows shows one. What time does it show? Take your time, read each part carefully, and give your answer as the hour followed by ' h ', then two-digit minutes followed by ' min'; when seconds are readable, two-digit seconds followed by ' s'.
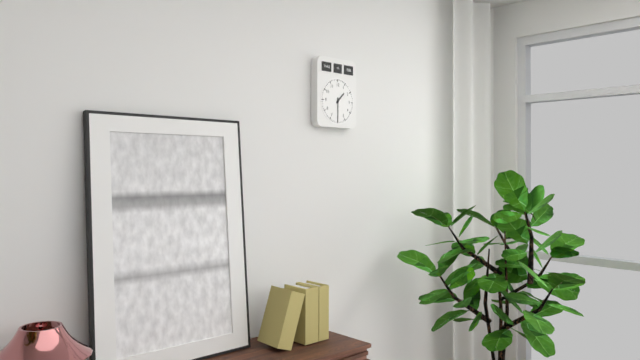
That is 1 h 30 min
